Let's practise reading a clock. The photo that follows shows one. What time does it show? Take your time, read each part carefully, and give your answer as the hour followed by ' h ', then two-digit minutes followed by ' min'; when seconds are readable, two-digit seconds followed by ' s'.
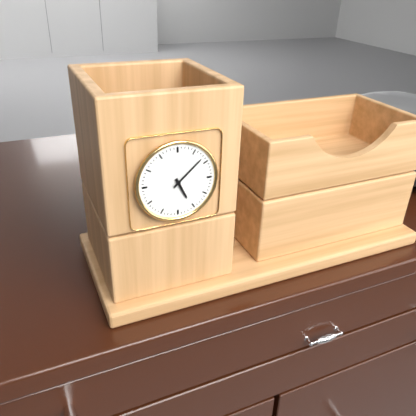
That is 5 h 08 min
